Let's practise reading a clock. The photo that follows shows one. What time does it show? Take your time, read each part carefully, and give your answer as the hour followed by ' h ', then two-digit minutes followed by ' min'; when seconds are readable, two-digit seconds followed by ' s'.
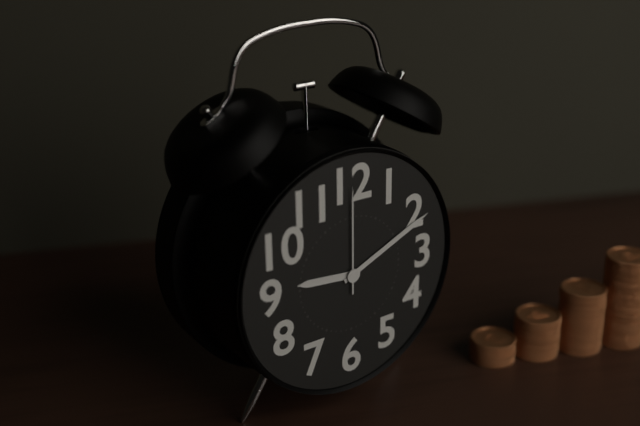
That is 9 h 11 min 00 s
